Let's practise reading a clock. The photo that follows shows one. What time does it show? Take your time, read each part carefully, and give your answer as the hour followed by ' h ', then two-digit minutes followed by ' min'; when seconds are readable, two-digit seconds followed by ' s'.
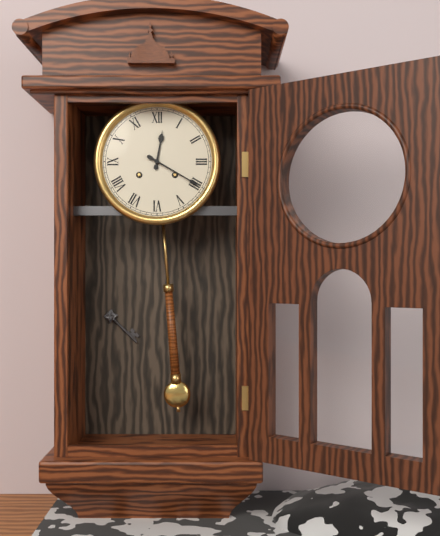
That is 12 h 20 min
